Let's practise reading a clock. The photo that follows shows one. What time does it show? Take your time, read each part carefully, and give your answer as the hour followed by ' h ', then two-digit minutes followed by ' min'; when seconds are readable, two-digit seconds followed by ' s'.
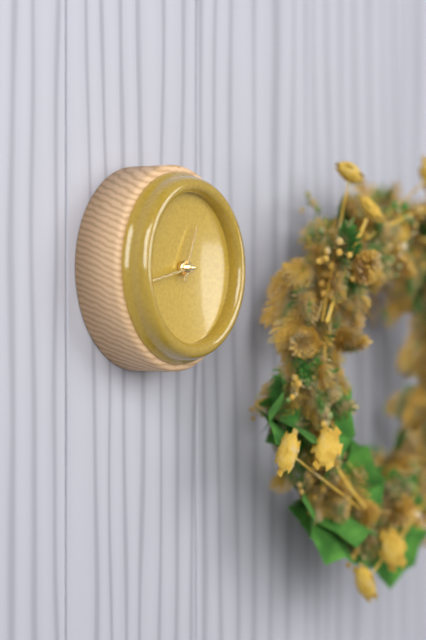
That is 12 h 43 min
